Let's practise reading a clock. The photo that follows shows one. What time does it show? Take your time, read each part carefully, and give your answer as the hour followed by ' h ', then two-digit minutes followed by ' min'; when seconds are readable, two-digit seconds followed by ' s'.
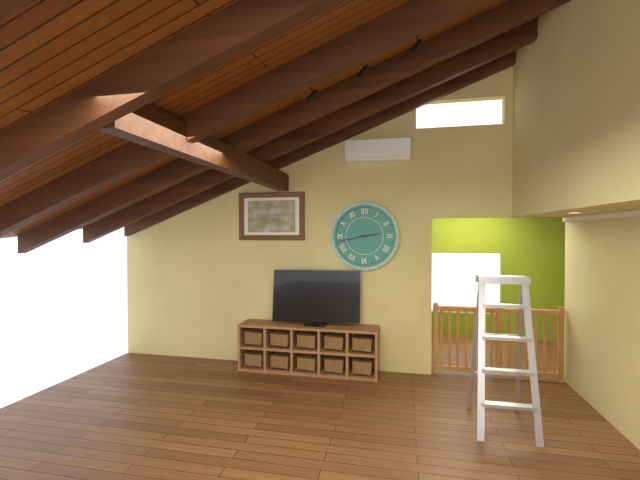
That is 2 h 43 min
